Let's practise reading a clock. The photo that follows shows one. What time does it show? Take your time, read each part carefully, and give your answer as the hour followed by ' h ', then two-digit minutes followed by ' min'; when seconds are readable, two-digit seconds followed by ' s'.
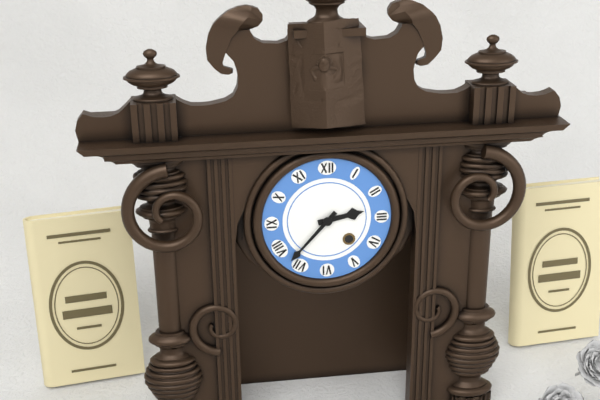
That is 2 h 37 min
